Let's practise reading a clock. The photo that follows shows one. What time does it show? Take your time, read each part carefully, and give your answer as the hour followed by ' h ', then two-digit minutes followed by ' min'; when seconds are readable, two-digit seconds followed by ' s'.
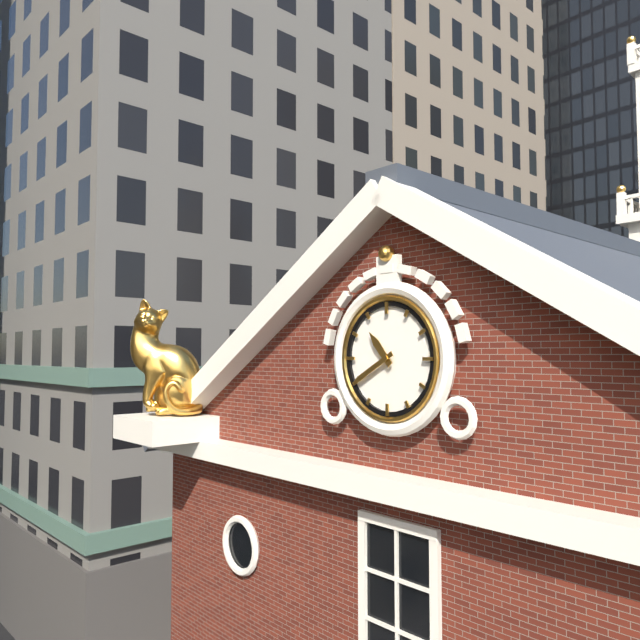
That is 10 h 40 min
